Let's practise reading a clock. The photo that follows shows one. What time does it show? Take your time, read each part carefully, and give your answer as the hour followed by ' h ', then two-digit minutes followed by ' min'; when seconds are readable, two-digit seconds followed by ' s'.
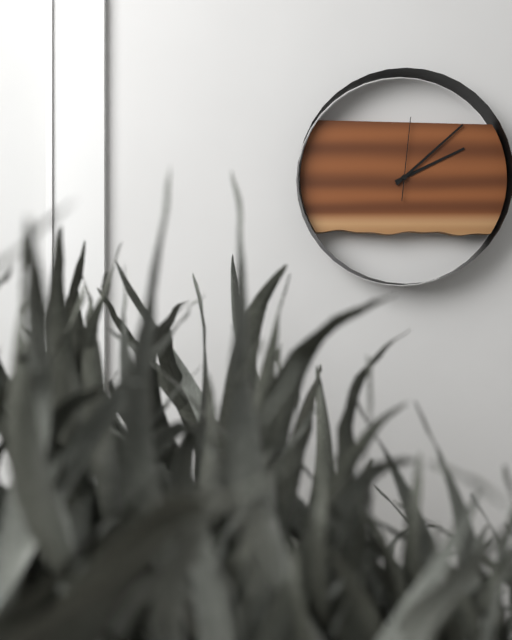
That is 2 h 08 min 01 s
